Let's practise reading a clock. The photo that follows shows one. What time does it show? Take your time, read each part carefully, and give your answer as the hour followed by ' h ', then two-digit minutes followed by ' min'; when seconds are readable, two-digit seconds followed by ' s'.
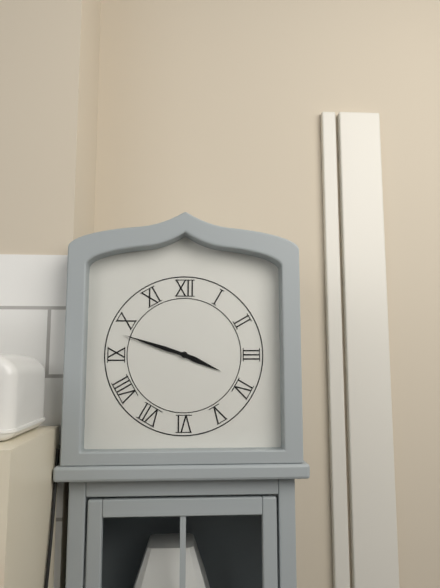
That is 3 h 48 min
